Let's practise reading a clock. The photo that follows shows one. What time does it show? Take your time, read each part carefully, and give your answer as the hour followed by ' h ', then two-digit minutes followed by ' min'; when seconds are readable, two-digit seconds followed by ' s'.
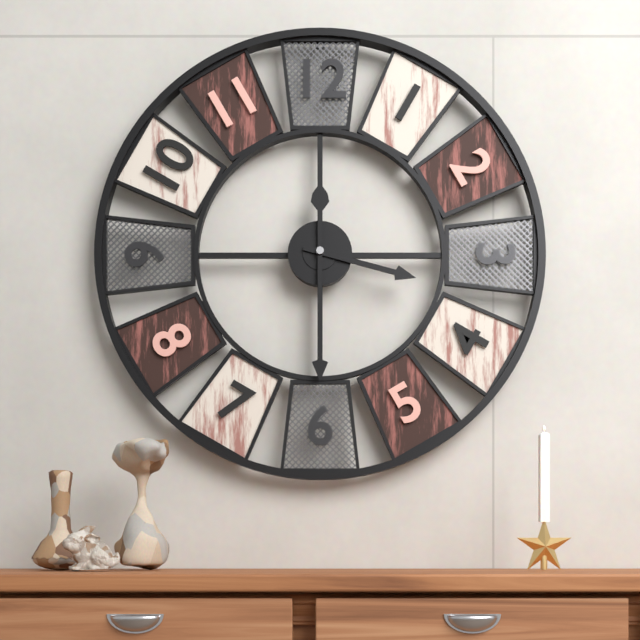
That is 3 h 30 min
